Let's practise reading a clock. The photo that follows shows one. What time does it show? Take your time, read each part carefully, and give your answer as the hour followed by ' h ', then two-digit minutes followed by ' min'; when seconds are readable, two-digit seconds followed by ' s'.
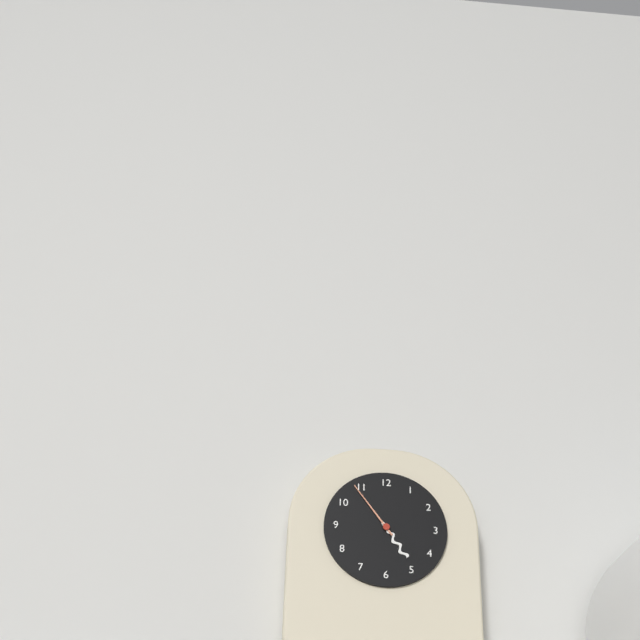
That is 4 h 54 min
